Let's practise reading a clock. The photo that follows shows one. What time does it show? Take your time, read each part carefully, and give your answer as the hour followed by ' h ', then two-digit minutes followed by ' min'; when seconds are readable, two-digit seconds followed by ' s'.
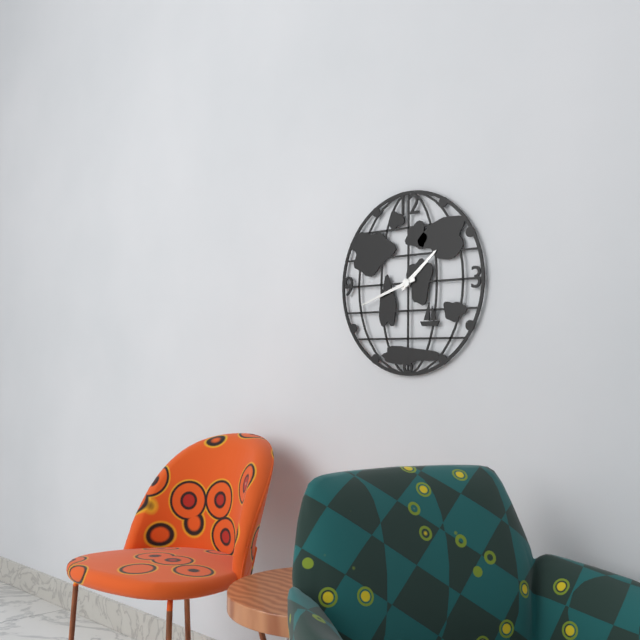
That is 1 h 42 min
